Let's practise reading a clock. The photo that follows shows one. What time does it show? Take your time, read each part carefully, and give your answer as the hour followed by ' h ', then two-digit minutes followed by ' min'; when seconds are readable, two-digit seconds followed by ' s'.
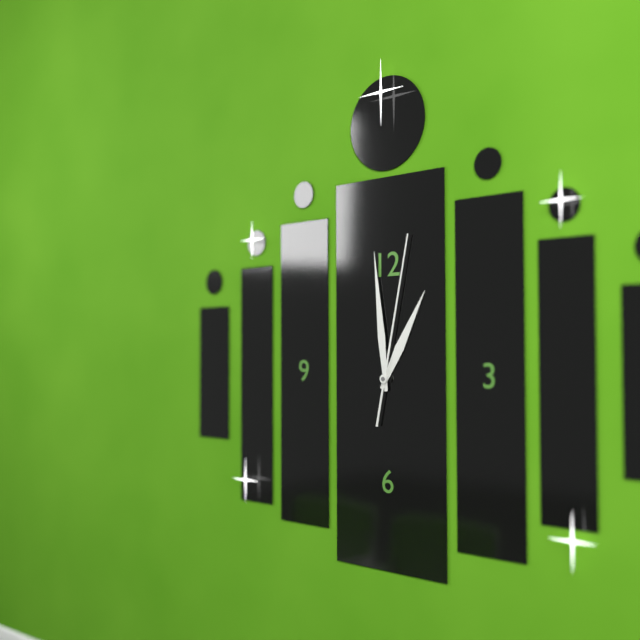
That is 12 h 59 min 02 s
